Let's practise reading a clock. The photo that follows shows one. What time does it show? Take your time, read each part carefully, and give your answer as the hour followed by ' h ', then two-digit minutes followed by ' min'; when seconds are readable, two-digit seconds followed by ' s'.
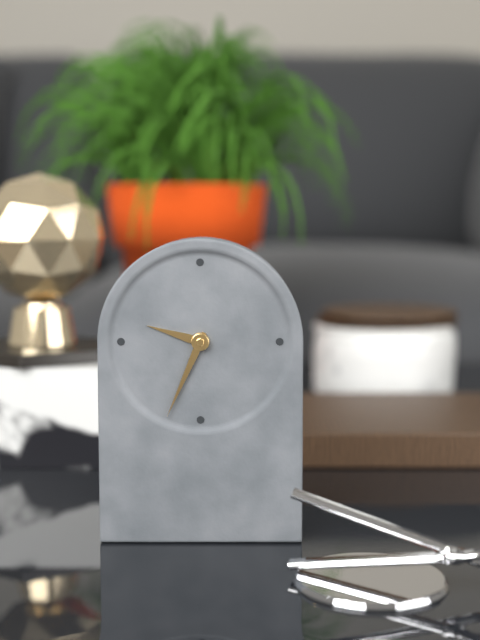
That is 9 h 34 min
